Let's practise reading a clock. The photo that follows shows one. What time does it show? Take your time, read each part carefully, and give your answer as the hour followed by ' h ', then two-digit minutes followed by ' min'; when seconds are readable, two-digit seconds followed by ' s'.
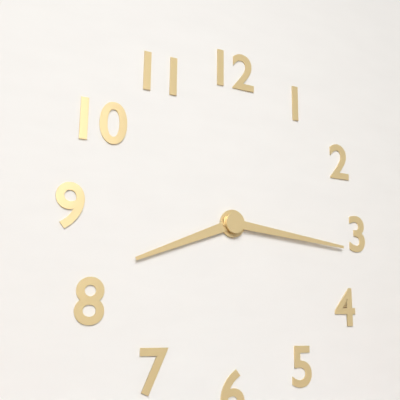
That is 8 h 16 min
